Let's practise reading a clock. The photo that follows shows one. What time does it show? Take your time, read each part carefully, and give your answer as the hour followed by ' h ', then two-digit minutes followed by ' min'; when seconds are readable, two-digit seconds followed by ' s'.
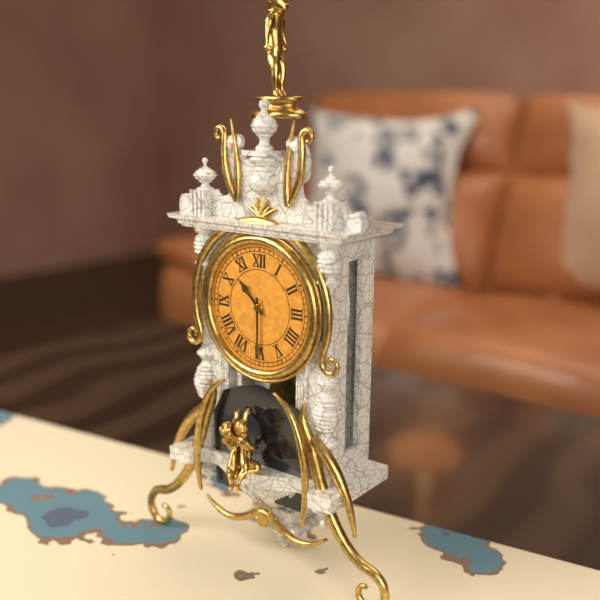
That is 10 h 30 min
